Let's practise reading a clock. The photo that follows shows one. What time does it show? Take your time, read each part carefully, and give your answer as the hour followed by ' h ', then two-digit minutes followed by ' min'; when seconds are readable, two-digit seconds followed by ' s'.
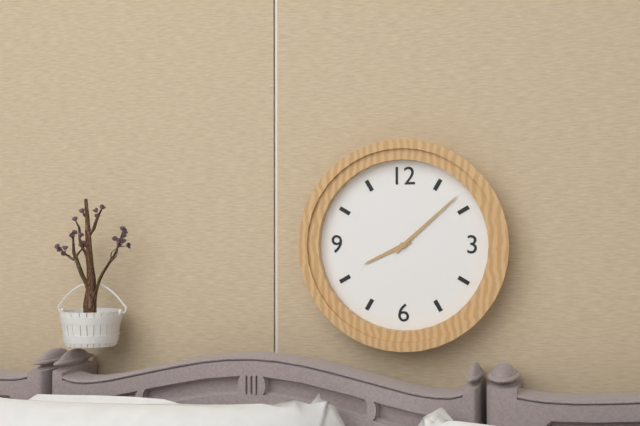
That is 8 h 08 min
